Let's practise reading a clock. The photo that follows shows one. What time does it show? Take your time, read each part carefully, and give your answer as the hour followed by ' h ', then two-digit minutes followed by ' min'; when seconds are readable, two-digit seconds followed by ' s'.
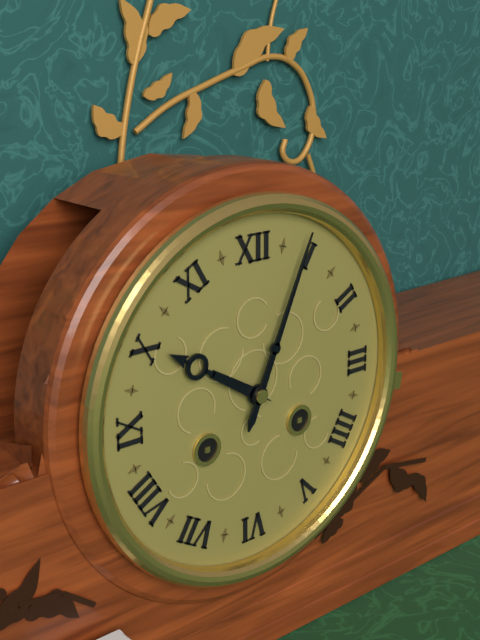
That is 10 h 04 min
